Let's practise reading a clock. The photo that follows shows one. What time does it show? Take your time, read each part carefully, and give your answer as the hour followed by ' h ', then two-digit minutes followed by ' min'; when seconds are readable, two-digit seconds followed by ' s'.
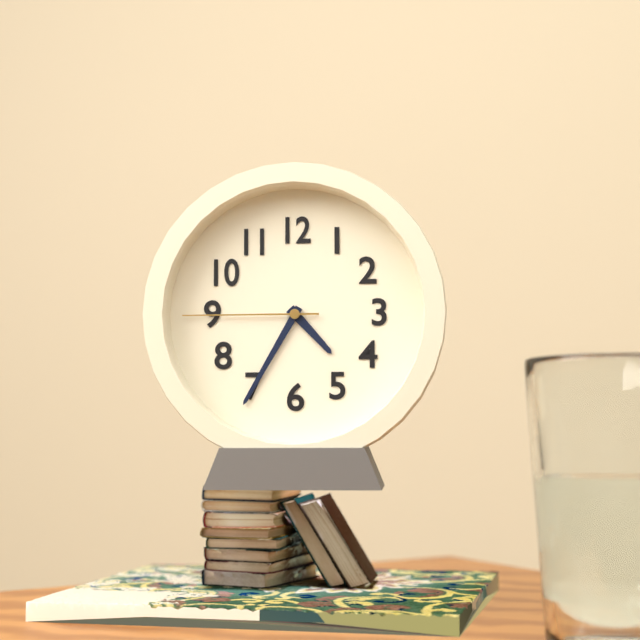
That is 4 h 35 min 45 s
